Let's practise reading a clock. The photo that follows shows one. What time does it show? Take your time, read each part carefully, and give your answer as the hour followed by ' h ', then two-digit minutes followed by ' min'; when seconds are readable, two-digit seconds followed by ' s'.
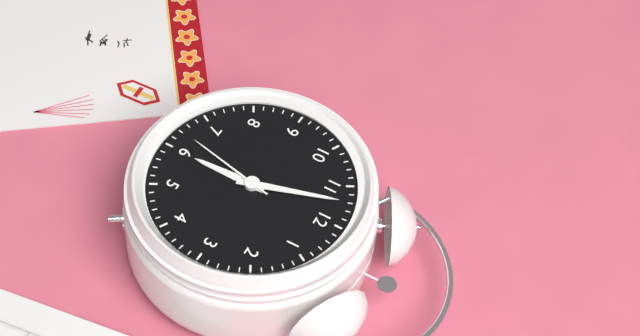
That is 5 h 57 min 32 s
